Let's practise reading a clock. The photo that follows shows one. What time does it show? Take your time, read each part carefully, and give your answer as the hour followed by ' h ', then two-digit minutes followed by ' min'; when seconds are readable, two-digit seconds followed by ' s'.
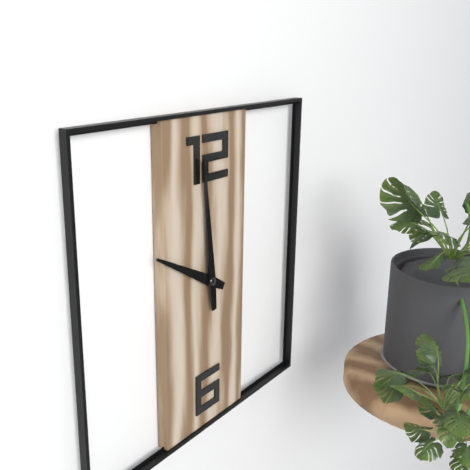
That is 9 h 59 min
